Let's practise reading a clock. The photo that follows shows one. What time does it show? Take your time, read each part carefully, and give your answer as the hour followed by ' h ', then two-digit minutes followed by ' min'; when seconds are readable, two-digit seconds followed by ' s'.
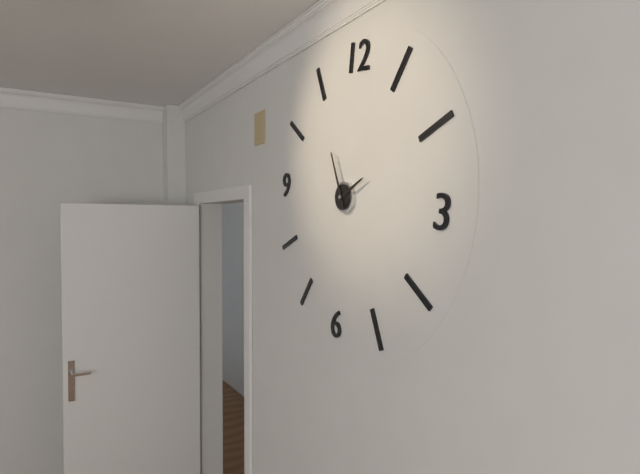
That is 1 h 55 min
